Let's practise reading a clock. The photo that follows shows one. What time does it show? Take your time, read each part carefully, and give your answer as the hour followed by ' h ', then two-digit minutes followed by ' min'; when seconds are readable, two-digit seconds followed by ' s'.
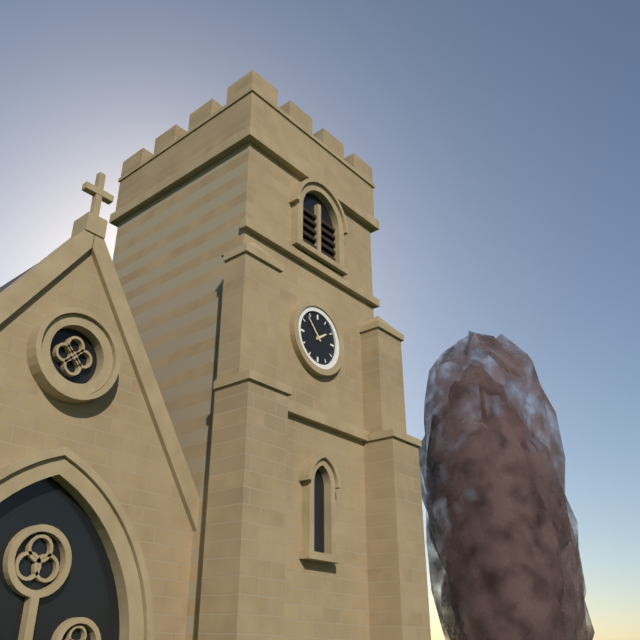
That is 1 h 53 min
